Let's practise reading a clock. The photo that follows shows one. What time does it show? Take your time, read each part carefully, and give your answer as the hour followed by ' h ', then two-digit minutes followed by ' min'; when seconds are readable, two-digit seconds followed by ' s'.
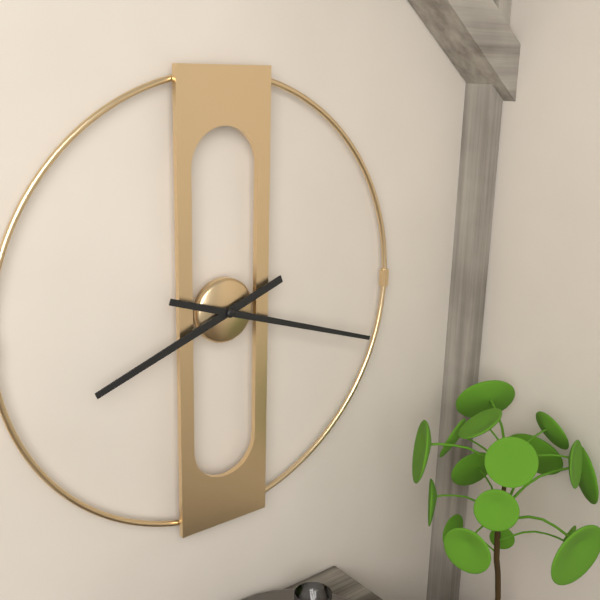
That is 8 h 18 min
